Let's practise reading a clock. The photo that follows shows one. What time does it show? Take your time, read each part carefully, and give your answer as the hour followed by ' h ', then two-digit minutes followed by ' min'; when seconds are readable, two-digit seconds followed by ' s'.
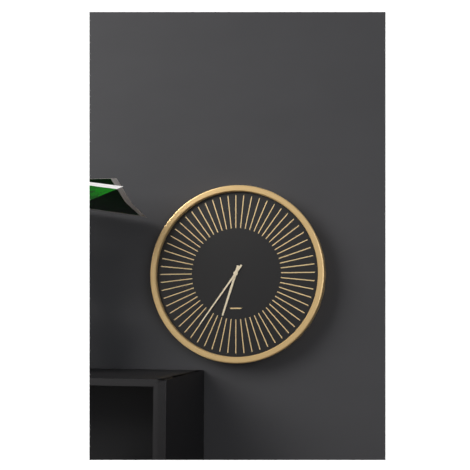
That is 6 h 36 min
